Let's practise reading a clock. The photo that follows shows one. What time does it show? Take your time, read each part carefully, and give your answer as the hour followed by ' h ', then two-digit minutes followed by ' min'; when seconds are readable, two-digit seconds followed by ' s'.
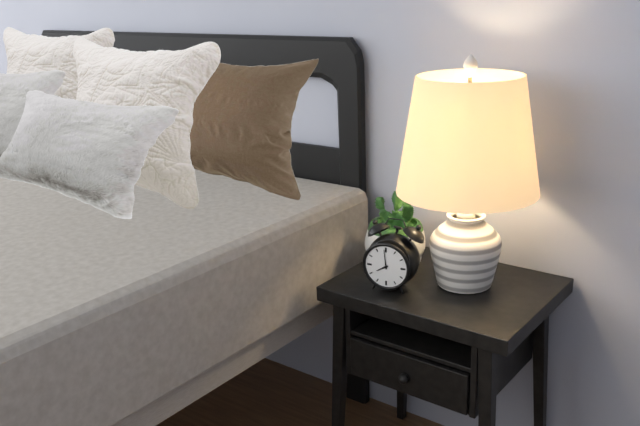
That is 7 h 59 min
